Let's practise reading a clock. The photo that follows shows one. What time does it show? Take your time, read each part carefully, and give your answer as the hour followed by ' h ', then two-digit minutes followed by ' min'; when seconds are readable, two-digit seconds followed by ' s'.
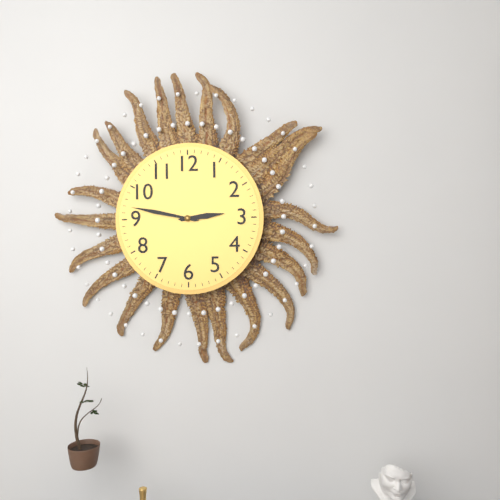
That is 2 h 47 min
